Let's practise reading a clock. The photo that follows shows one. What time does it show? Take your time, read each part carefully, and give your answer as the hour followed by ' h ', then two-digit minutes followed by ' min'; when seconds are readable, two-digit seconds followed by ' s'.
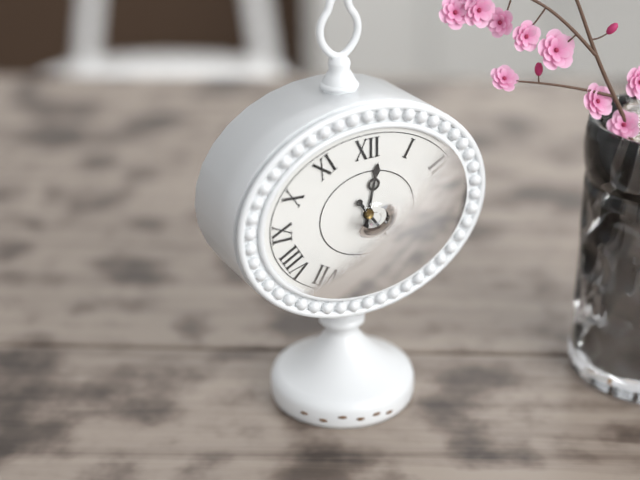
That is 12 h 24 min
